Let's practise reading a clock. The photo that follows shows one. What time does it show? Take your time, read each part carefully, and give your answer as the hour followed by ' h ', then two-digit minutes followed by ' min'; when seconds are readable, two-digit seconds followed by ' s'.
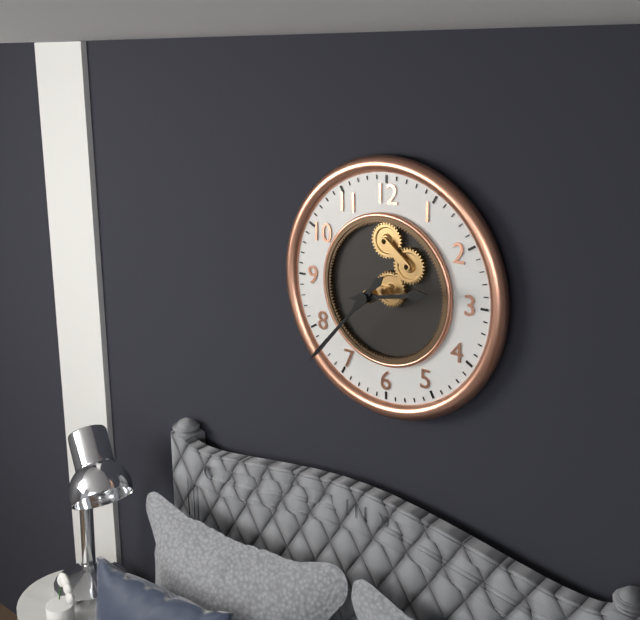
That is 2 h 37 min
